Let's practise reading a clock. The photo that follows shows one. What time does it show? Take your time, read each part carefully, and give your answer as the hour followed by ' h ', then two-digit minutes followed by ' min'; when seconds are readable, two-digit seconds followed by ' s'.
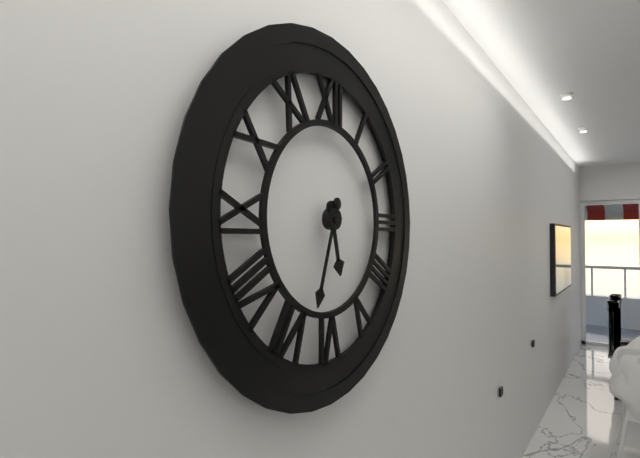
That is 5 h 33 min
